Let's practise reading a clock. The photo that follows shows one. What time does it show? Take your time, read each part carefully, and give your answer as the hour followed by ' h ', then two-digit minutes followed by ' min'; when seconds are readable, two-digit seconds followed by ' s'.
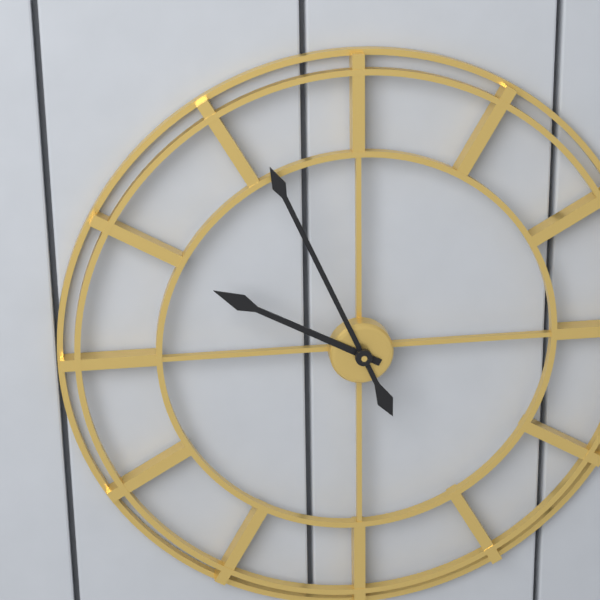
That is 9 h 56 min
